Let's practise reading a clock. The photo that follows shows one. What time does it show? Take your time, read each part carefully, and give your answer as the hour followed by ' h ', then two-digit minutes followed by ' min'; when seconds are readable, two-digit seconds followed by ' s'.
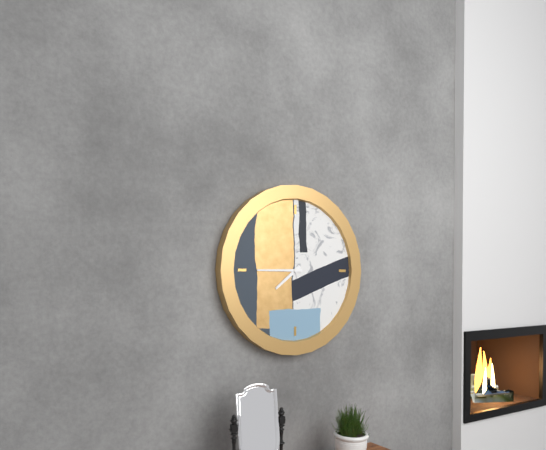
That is 7 h 45 min
